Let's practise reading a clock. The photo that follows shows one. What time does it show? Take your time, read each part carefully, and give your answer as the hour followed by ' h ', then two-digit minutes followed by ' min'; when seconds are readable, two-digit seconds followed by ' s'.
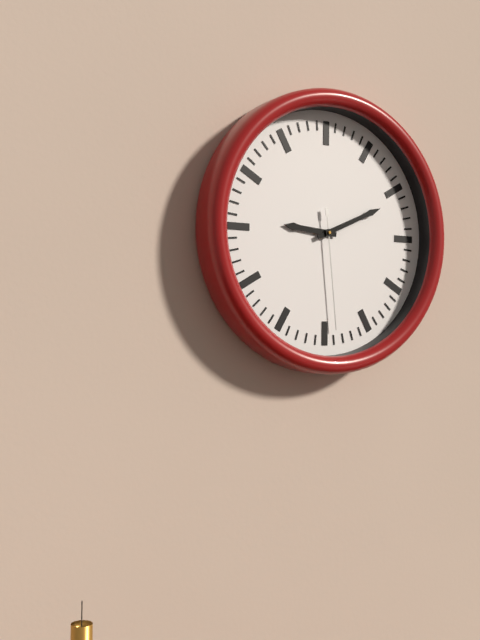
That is 9 h 11 min 29 s
